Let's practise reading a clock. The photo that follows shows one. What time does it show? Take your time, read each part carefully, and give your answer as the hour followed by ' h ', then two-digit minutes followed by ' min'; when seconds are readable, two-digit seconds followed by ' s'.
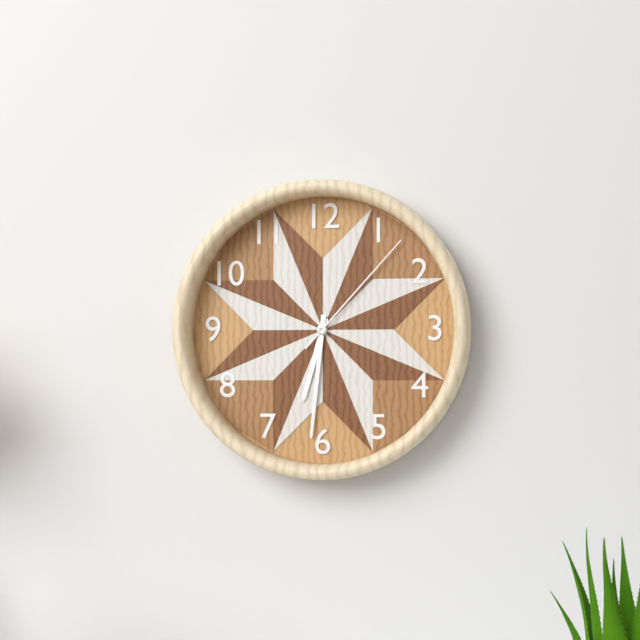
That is 6 h 31 min 07 s
